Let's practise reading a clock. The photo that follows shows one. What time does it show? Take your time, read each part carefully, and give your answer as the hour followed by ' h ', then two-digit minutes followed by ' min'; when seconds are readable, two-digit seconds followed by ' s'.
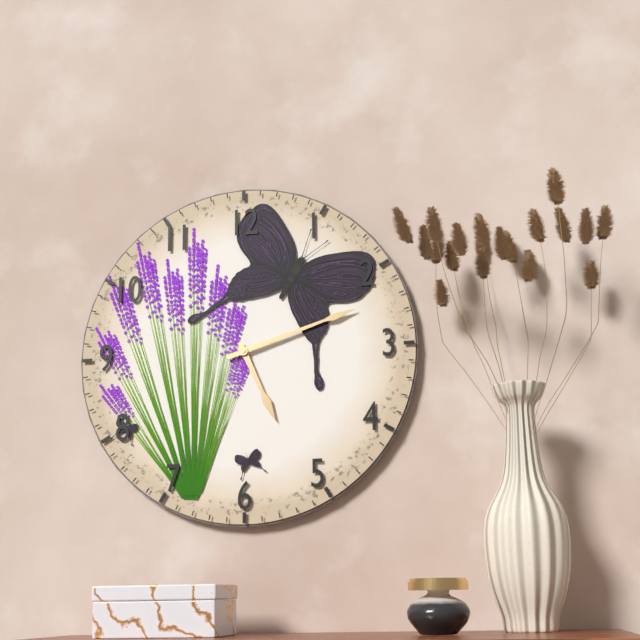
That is 5 h 12 min
